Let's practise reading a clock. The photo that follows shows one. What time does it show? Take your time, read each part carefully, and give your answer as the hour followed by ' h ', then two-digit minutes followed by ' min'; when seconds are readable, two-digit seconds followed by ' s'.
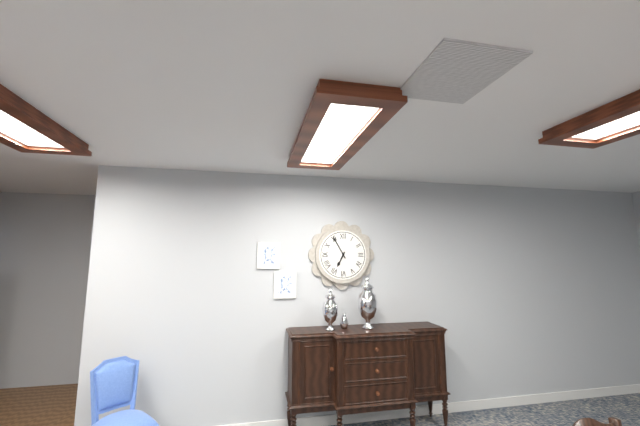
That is 6 h 55 min
